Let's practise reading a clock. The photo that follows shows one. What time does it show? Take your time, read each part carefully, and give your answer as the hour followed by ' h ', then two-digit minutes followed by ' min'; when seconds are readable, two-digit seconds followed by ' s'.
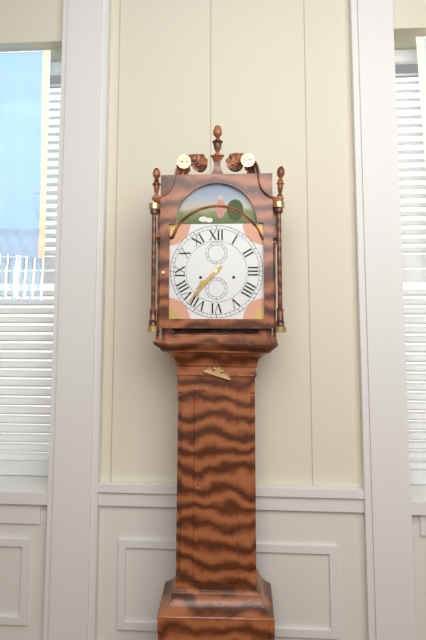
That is 7 h 37 min
